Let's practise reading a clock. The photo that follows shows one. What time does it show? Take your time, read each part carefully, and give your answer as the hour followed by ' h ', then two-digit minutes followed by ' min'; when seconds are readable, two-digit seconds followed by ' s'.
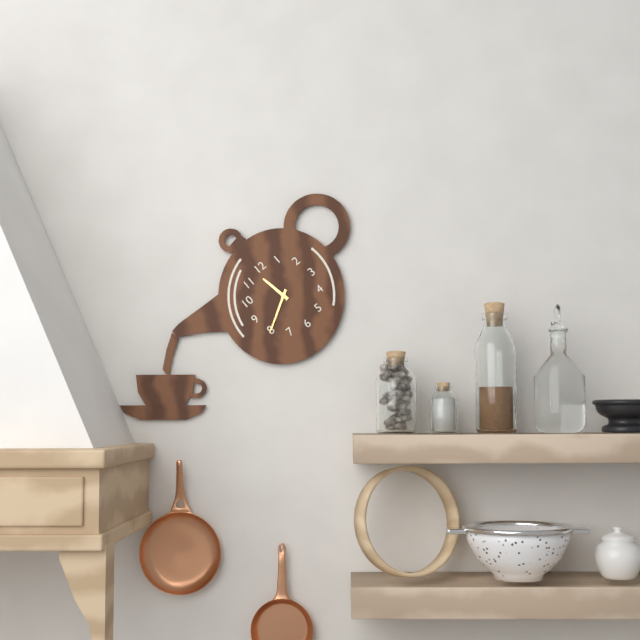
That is 11 h 40 min
